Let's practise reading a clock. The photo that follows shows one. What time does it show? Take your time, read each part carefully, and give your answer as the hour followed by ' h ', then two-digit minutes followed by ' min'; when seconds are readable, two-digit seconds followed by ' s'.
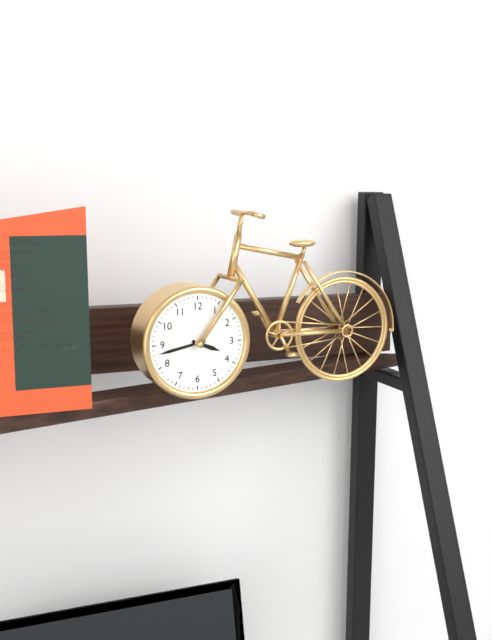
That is 3 h 43 min
